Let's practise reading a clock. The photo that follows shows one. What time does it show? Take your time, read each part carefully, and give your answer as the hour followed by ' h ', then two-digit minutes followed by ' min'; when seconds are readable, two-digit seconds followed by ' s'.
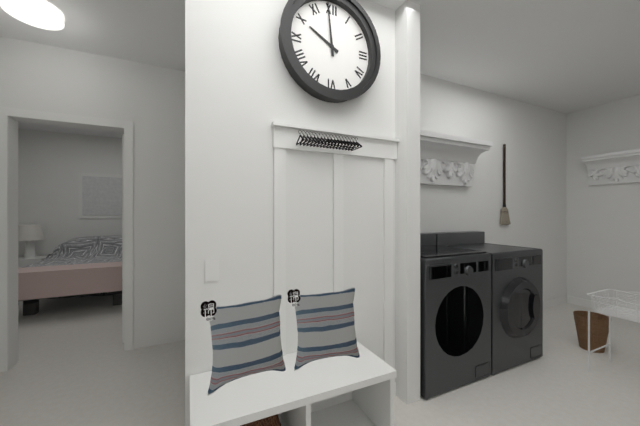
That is 9 h 59 min
